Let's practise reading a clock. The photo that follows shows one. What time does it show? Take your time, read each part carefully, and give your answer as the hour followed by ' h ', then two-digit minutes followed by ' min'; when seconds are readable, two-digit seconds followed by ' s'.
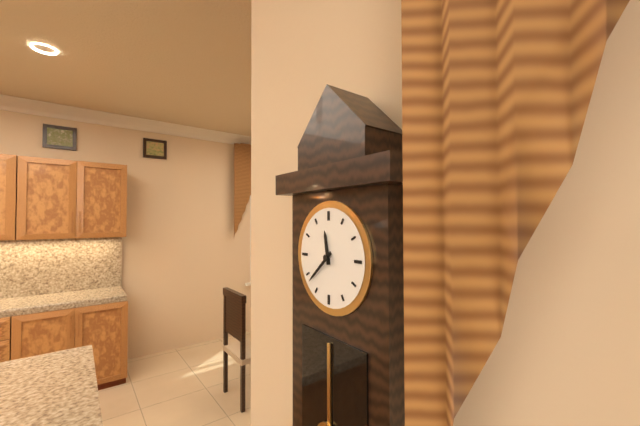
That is 11 h 38 min
